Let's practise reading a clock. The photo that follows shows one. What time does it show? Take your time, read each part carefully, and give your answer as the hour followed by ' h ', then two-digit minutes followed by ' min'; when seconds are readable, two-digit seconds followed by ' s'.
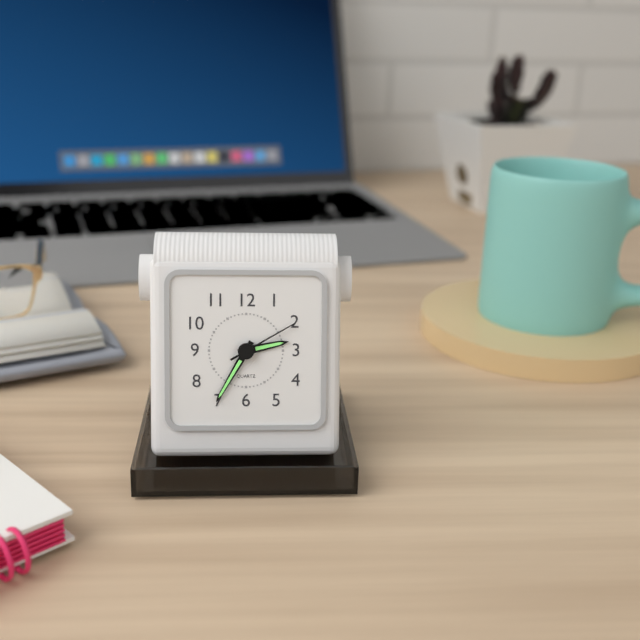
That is 2 h 35 min 10 s
